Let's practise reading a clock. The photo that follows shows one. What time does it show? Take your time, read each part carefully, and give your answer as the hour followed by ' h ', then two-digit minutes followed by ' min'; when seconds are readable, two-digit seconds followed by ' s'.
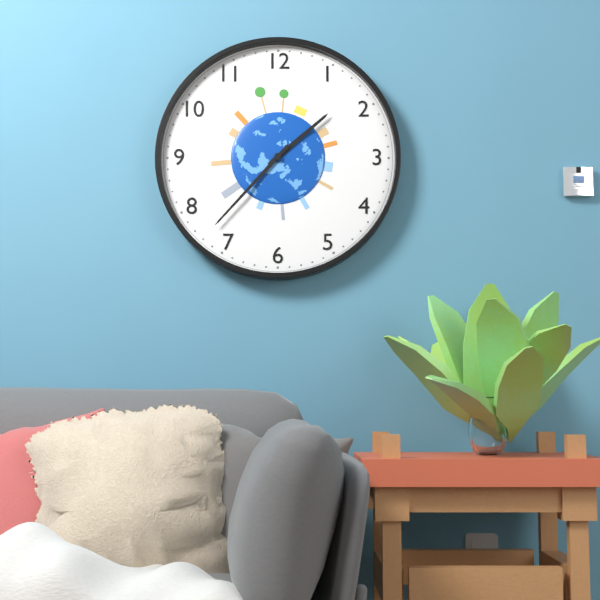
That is 1 h 37 min
